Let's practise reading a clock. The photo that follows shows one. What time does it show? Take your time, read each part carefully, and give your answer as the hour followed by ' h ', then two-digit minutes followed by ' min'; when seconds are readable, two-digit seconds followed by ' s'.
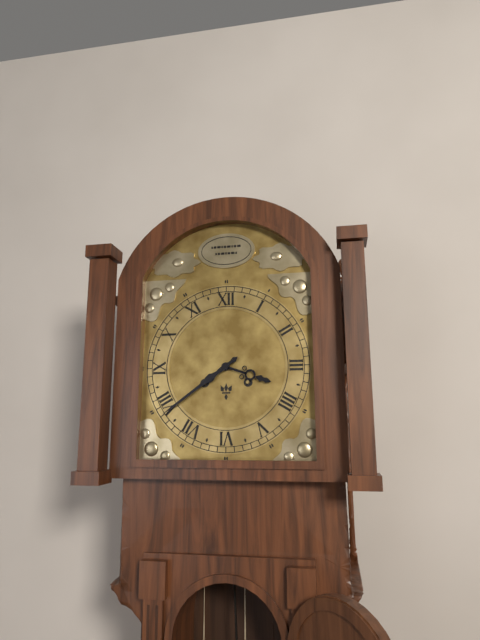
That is 3 h 39 min
